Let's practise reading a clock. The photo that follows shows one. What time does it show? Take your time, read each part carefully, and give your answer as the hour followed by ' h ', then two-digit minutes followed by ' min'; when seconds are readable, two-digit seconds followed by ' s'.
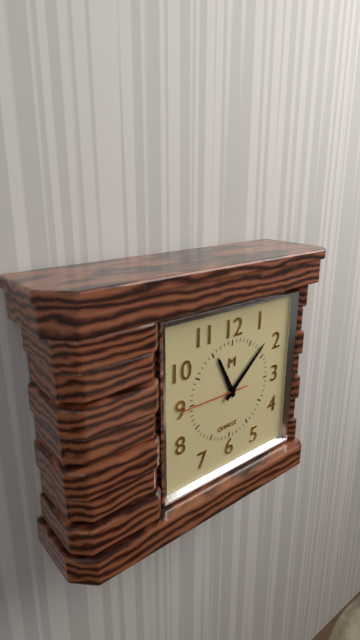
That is 11 h 08 min 45 s
